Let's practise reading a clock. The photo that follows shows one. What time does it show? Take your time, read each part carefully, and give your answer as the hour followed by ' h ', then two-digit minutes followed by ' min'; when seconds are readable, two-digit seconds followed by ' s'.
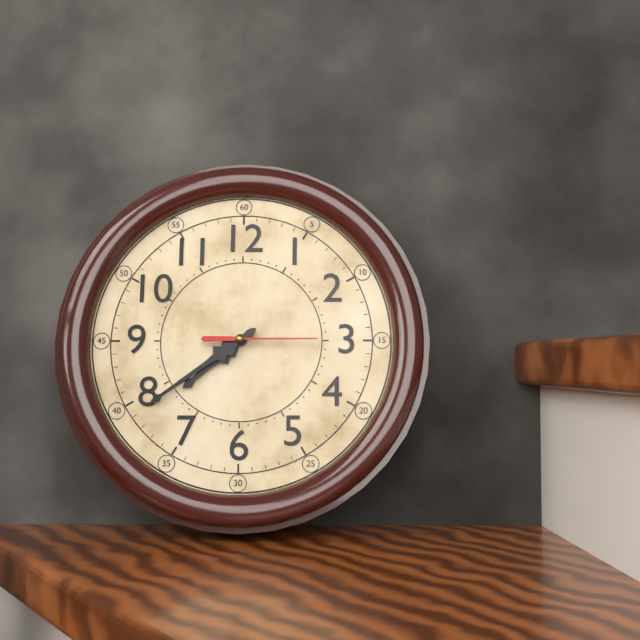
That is 7 h 39 min 15 s
